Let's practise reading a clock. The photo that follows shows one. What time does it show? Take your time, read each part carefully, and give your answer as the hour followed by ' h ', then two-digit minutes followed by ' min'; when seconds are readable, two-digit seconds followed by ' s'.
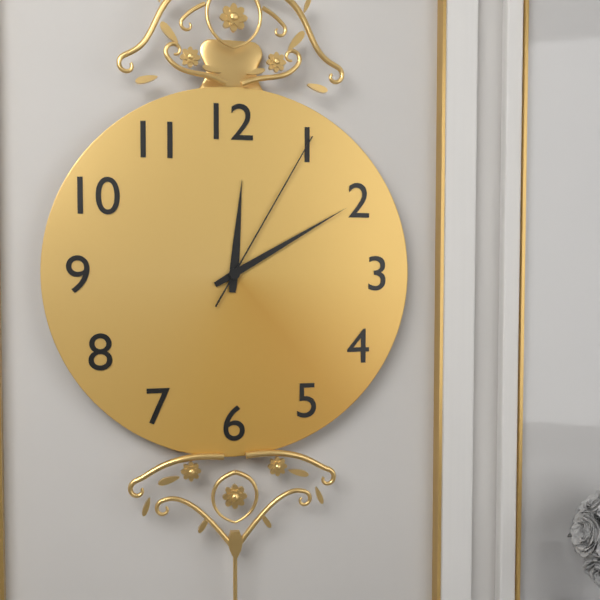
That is 12 h 10 min 05 s
